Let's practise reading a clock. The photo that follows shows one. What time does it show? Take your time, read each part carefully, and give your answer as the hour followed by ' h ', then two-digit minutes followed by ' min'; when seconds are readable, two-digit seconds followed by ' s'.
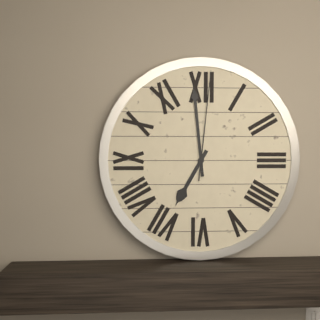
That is 6 h 59 min 01 s
